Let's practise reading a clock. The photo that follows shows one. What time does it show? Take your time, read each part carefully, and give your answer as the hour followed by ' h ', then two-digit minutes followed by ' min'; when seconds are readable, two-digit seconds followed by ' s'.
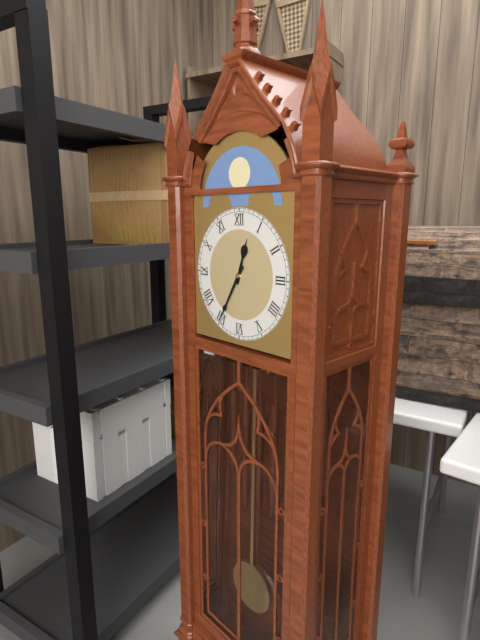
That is 12 h 35 min
